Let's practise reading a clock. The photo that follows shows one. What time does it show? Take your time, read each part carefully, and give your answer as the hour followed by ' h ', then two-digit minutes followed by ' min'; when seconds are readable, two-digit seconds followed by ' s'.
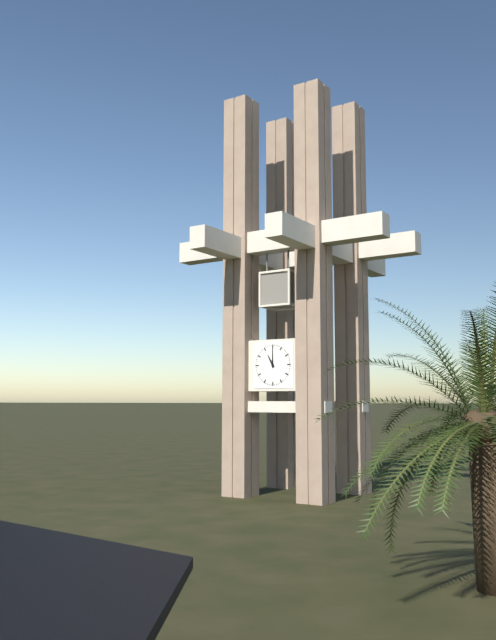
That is 11 h 00 min
